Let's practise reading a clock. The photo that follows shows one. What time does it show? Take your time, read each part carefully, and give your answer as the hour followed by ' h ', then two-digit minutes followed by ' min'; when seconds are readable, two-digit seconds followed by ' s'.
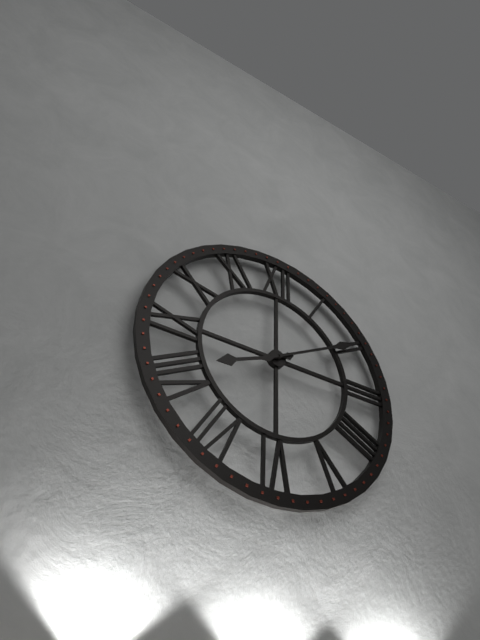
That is 8 h 10 min
